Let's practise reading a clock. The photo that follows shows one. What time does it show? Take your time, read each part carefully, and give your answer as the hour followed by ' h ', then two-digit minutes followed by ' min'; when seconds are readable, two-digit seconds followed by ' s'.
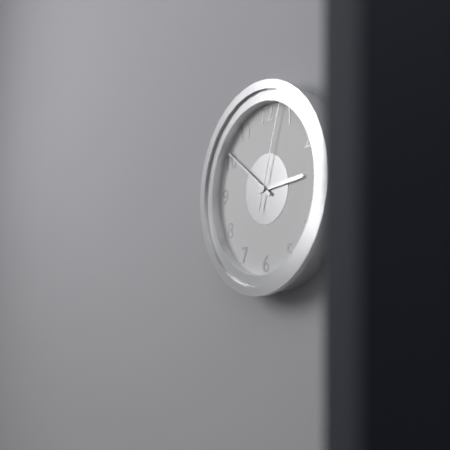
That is 2 h 51 min 03 s
